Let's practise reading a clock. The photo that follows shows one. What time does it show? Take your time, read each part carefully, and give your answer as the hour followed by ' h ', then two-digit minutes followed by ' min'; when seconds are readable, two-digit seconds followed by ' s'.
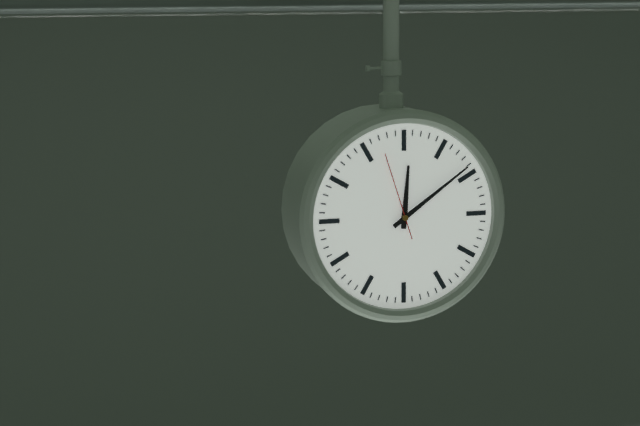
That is 12 h 09 min 57 s
